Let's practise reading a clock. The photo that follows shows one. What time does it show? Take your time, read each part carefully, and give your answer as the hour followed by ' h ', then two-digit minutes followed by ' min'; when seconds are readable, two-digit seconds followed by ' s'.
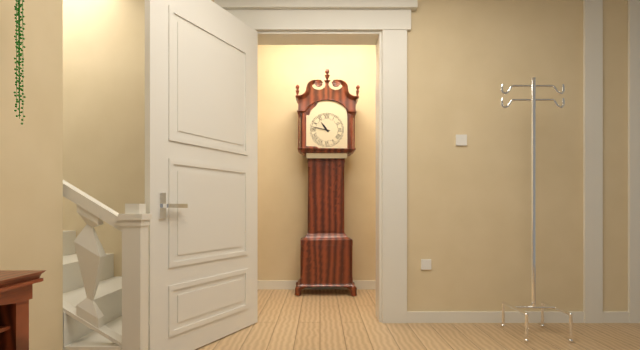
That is 10 h 47 min
